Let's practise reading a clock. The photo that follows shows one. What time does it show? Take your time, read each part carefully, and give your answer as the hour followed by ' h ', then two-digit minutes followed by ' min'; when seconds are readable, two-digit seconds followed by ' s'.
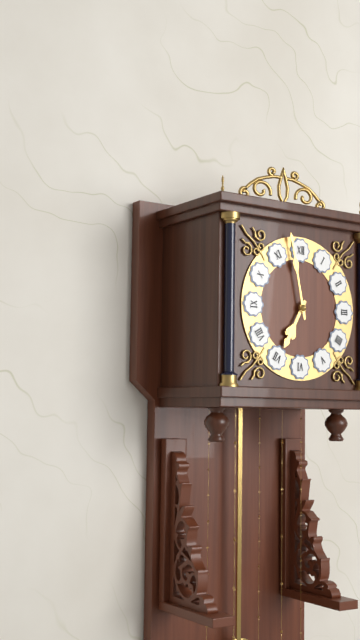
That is 6 h 58 min
